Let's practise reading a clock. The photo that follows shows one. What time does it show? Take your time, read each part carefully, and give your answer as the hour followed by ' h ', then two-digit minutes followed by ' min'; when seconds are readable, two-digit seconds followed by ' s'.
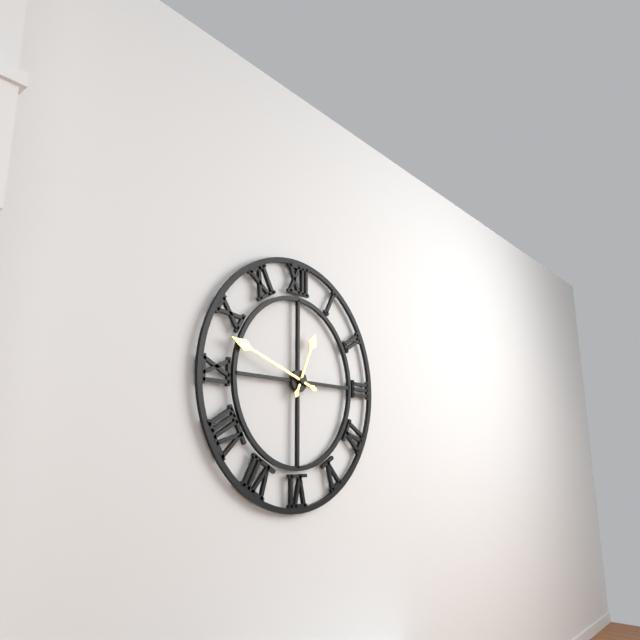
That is 12 h 48 min
